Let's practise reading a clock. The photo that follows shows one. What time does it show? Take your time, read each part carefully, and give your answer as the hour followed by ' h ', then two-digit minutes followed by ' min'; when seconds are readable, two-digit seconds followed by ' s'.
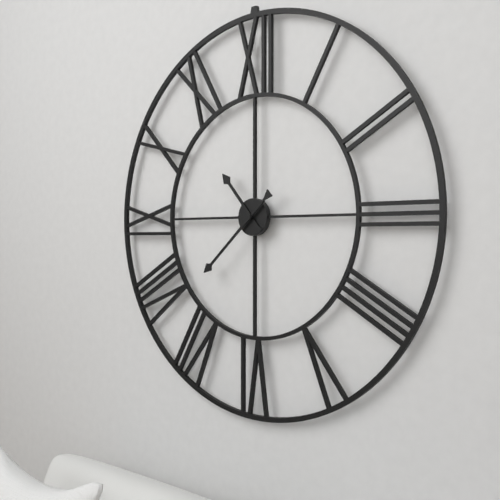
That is 10 h 38 min
